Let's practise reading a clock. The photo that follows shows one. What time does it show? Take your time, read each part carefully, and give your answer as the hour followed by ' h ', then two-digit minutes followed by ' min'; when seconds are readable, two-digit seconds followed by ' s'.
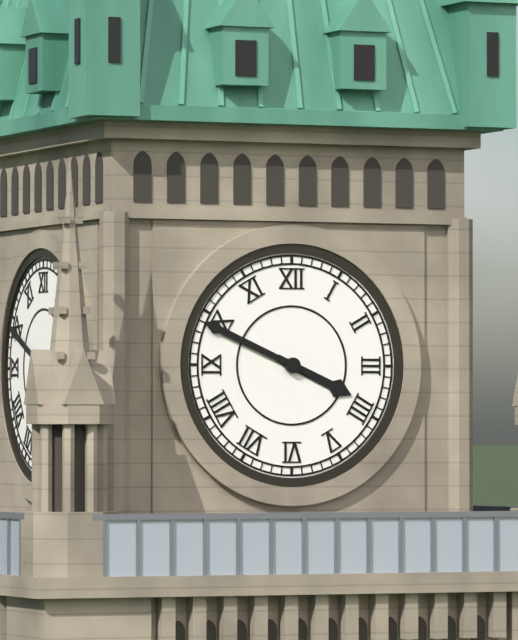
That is 3 h 49 min
